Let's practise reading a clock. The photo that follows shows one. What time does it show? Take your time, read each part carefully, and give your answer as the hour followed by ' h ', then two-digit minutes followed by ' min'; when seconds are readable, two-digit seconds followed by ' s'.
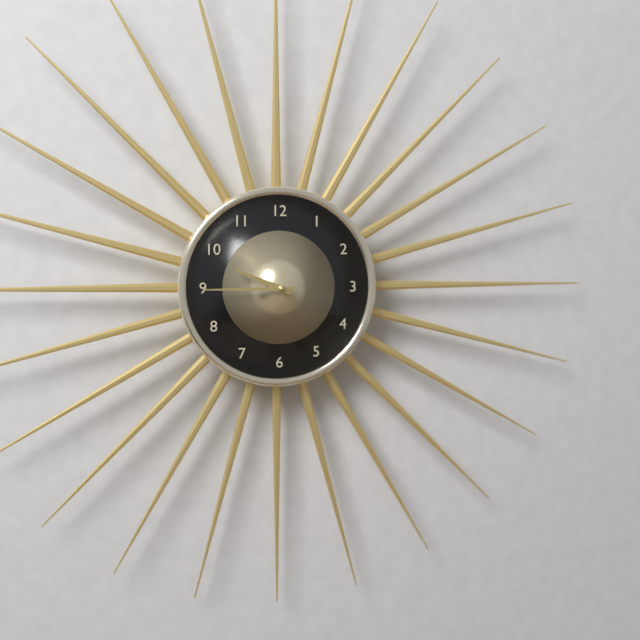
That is 9 h 45 min
